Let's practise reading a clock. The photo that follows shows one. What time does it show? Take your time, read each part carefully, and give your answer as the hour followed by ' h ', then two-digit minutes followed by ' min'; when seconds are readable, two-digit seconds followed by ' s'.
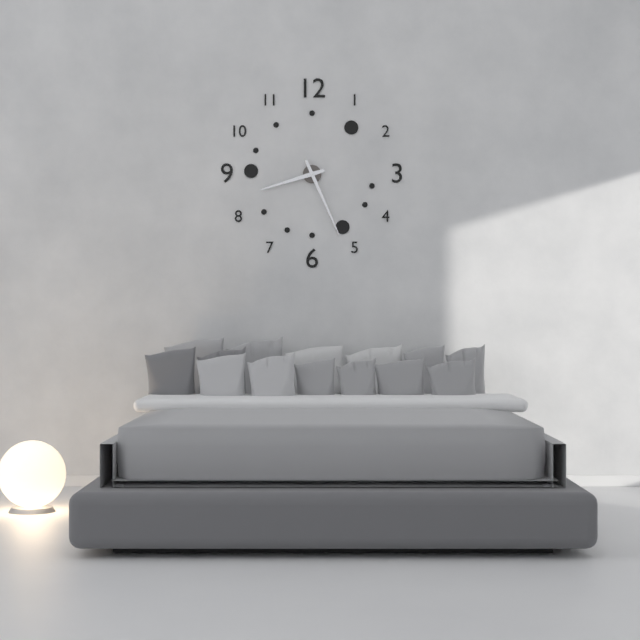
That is 8 h 26 min
